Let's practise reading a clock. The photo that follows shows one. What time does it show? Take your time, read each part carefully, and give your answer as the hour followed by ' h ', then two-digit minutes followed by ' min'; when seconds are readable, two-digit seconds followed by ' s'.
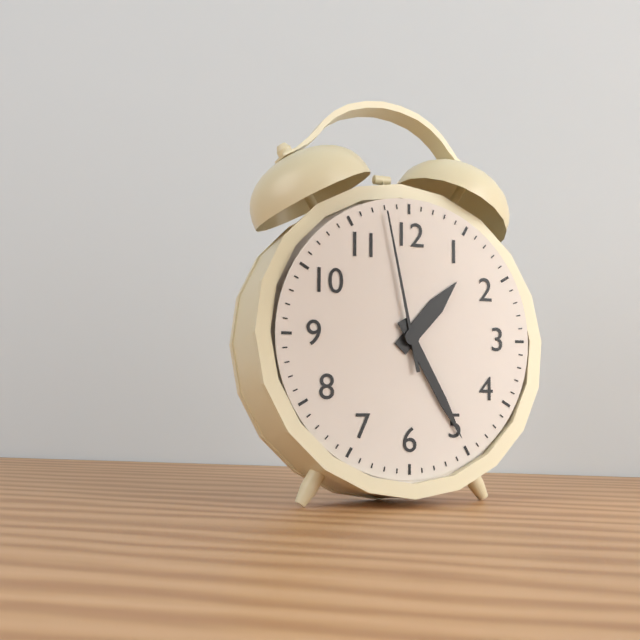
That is 1 h 25 min 58 s
